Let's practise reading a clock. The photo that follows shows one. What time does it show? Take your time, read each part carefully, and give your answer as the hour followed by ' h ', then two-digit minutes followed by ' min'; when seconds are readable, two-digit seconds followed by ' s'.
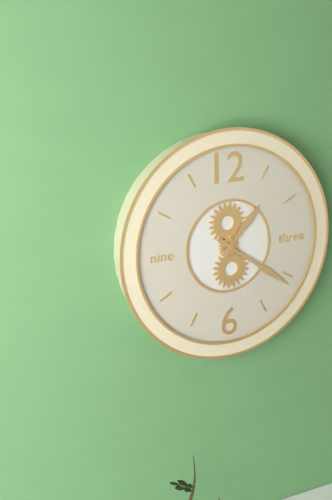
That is 1 h 21 min
